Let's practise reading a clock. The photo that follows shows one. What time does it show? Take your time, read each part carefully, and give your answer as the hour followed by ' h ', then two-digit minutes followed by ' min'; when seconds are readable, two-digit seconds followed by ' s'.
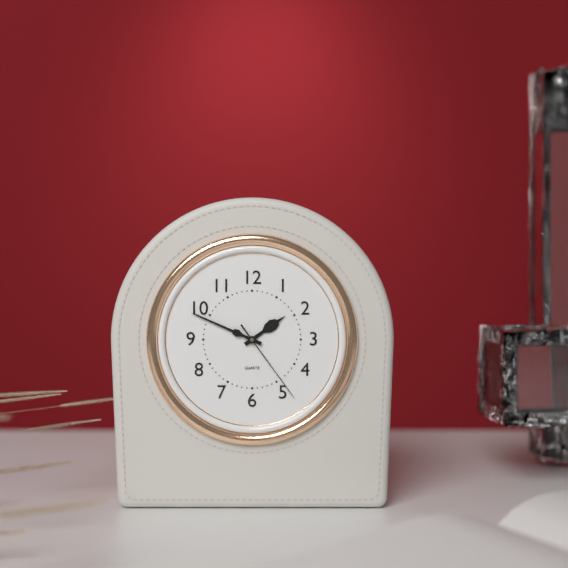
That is 1 h 49 min 24 s
